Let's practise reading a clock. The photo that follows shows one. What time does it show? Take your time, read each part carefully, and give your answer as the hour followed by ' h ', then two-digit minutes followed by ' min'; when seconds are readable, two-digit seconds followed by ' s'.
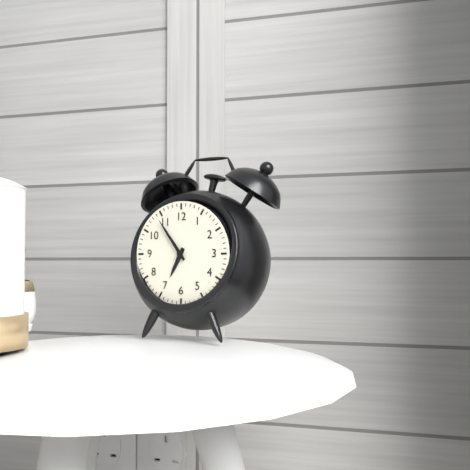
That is 6 h 54 min
